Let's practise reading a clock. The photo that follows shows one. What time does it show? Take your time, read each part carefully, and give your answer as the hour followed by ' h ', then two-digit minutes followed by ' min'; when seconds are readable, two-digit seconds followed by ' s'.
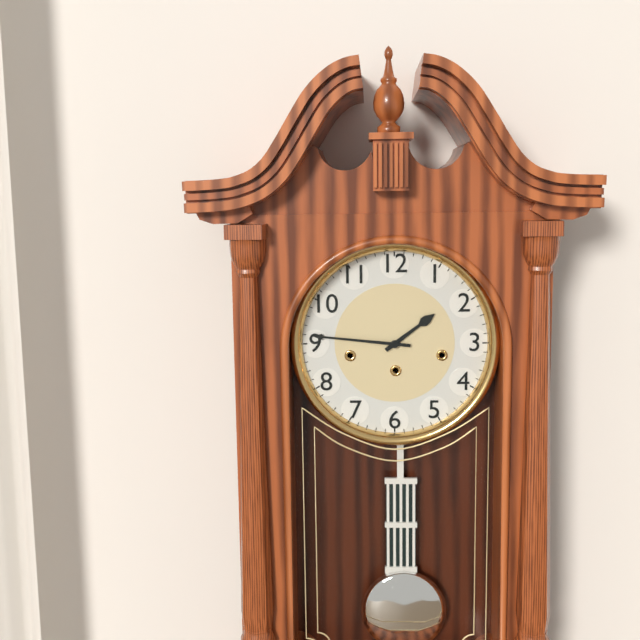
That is 1 h 46 min
